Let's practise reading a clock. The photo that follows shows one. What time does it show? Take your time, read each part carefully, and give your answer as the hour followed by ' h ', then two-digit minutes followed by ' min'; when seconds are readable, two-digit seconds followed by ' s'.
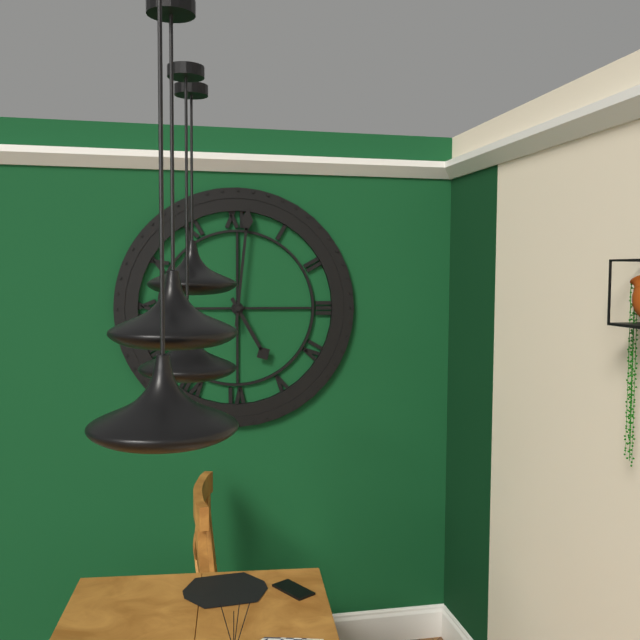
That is 5 h 01 min
